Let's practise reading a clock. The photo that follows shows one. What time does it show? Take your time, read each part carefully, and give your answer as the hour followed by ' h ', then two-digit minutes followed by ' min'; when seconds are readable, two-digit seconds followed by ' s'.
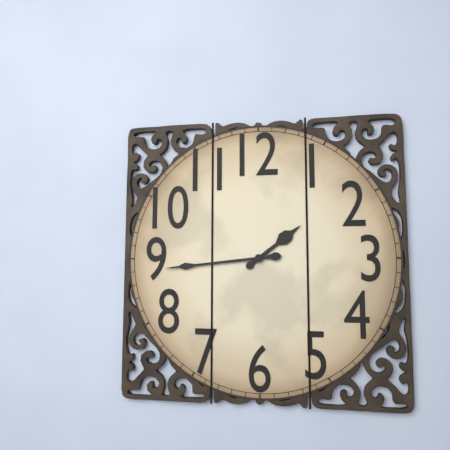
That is 1 h 44 min
